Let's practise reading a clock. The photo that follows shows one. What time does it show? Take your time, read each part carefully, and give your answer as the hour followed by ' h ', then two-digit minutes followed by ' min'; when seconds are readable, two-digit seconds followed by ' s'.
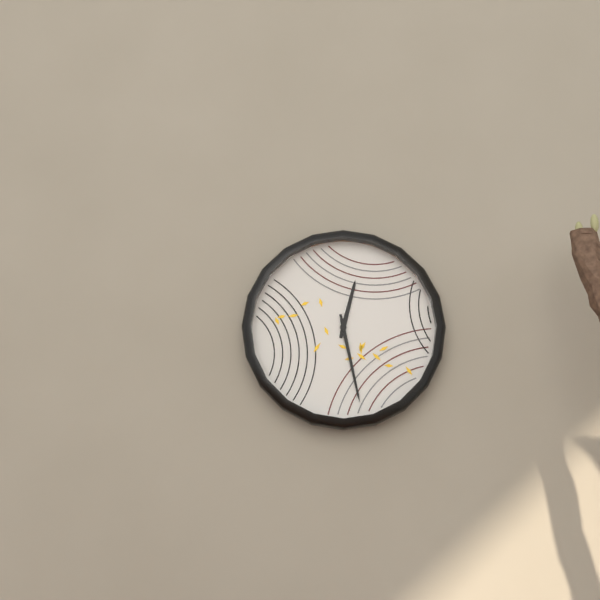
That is 12 h 28 min
